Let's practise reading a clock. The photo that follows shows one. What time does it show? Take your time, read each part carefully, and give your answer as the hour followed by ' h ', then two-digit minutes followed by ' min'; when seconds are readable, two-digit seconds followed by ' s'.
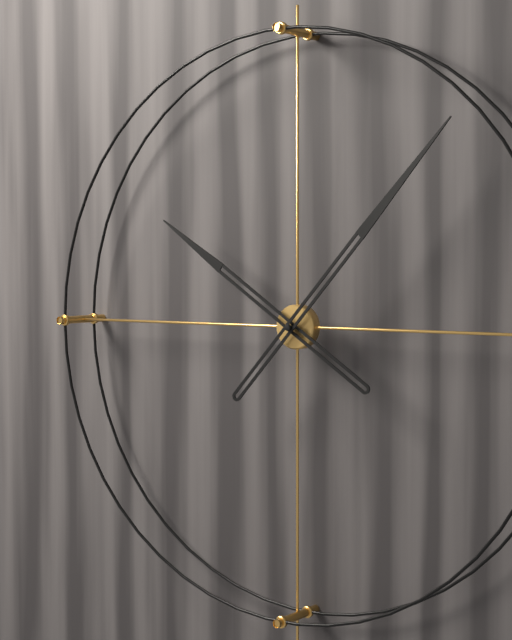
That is 10 h 07 min
